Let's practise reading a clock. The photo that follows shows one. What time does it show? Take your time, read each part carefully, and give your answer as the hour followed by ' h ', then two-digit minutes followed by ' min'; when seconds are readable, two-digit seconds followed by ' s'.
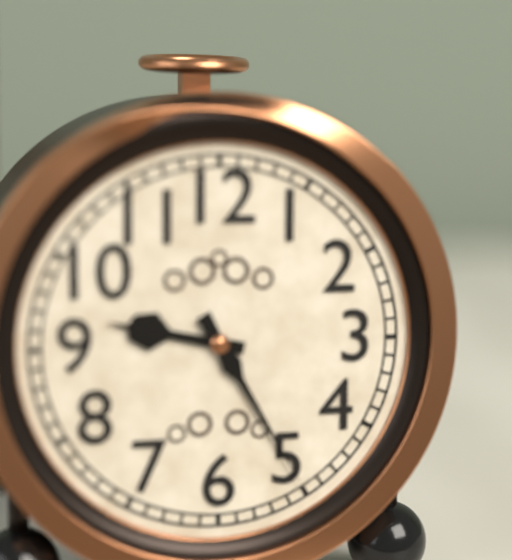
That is 9 h 25 min
